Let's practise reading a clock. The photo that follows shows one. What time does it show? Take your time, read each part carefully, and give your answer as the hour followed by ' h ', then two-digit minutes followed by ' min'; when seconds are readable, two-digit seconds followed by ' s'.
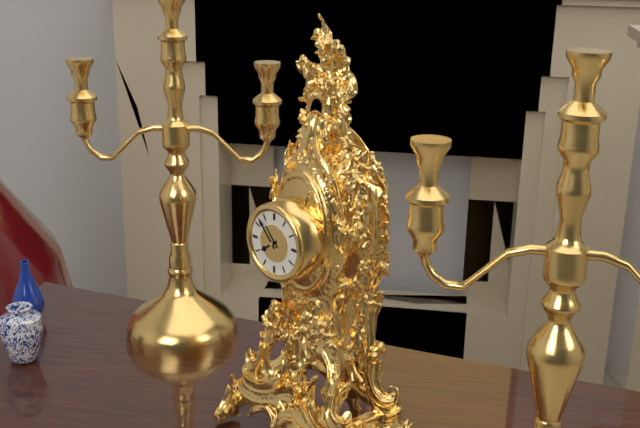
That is 7 h 53 min
